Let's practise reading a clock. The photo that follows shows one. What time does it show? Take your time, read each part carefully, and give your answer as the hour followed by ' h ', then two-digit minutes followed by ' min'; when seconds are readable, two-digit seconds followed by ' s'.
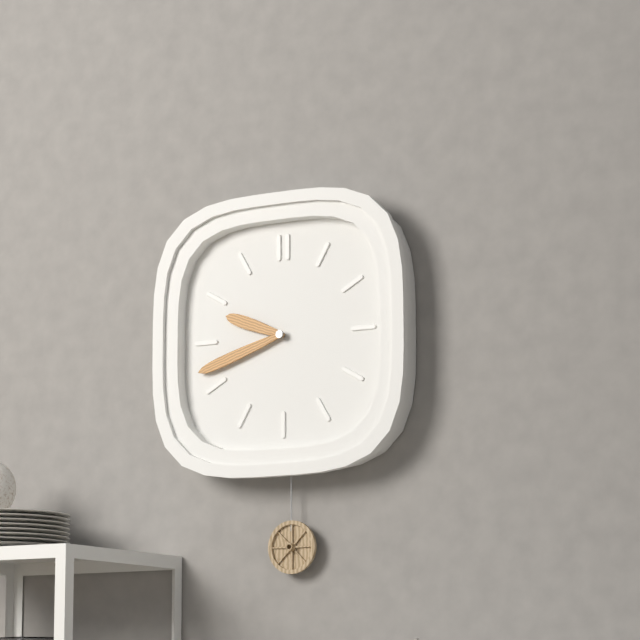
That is 9 h 42 min
